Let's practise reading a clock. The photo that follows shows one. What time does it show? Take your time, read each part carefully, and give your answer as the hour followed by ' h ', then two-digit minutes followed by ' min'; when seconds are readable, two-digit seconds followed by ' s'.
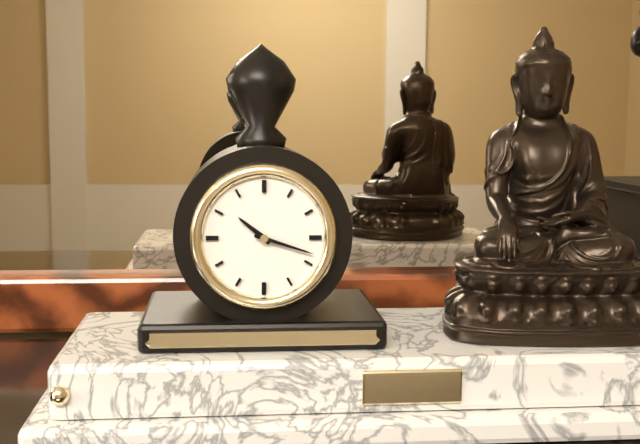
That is 10 h 18 min
